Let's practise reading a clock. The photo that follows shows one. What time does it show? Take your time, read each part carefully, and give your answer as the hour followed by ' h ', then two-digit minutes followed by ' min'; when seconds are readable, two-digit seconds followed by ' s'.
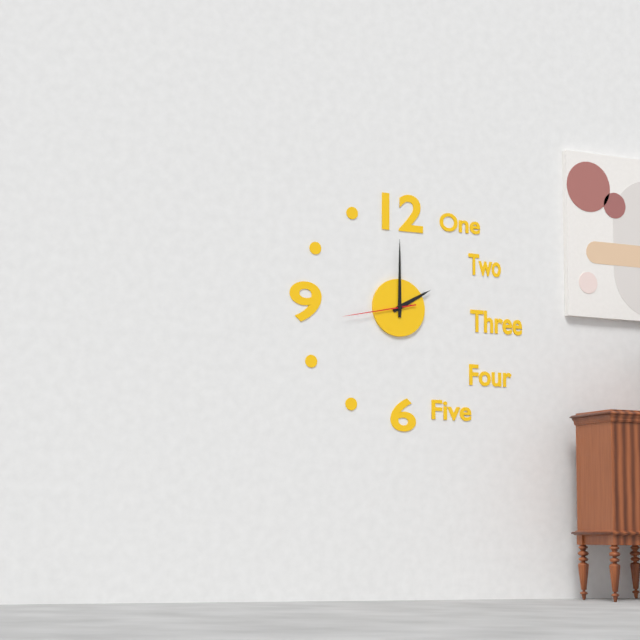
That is 2 h 00 min 43 s
